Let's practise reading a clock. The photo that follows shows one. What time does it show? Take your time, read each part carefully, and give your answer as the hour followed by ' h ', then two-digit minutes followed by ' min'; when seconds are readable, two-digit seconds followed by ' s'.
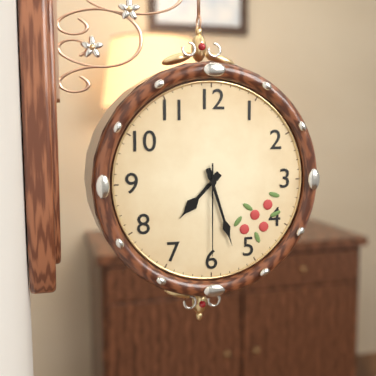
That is 7 h 27 min 30 s
